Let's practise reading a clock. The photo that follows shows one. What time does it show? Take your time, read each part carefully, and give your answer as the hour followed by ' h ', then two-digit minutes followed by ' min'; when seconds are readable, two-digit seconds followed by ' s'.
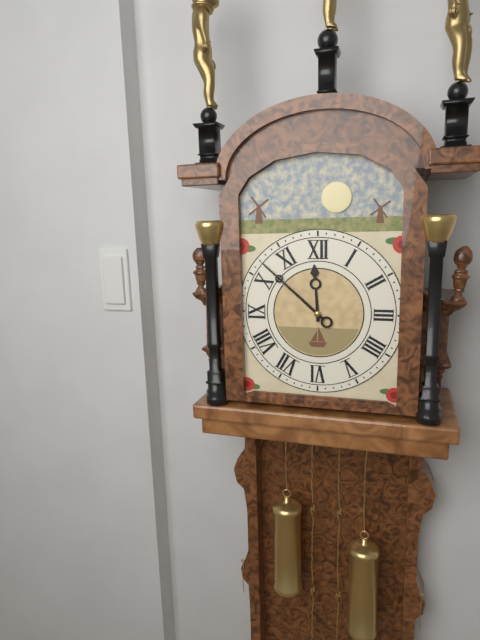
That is 11 h 52 min
